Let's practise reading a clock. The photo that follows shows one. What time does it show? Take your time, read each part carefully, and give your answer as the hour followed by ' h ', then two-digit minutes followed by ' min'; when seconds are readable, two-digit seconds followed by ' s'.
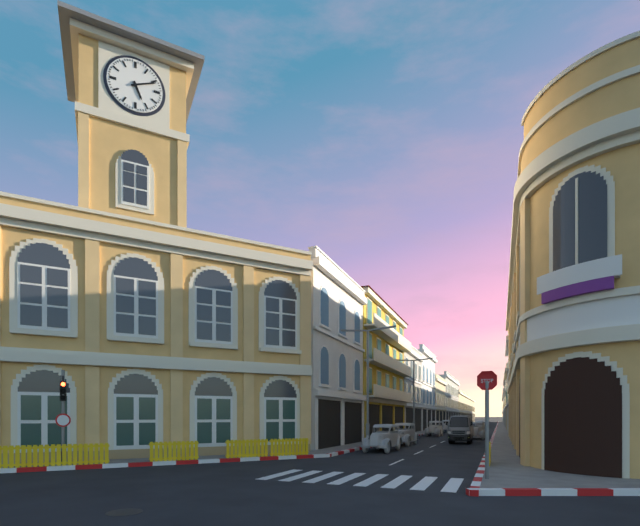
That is 5 h 11 min
